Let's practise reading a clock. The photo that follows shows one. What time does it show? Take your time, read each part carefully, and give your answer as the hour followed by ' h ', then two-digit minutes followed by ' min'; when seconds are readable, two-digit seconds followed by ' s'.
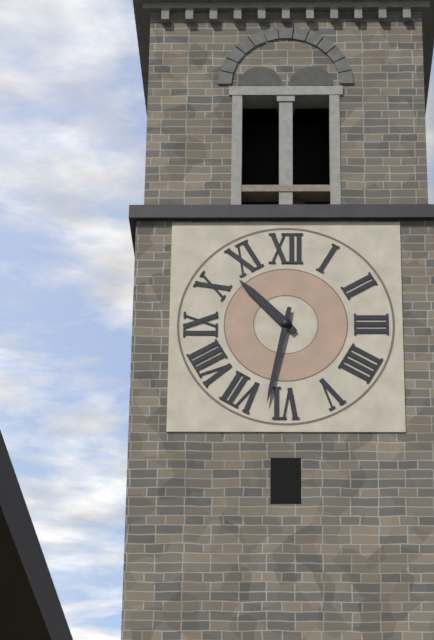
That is 10 h 32 min
